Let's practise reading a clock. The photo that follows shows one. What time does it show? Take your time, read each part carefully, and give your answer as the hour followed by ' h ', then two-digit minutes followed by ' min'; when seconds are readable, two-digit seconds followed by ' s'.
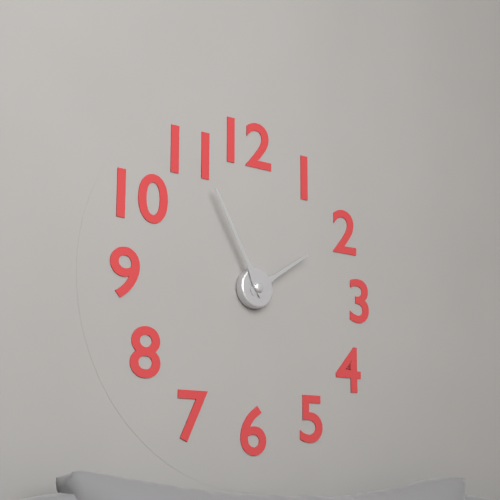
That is 1 h 55 min
